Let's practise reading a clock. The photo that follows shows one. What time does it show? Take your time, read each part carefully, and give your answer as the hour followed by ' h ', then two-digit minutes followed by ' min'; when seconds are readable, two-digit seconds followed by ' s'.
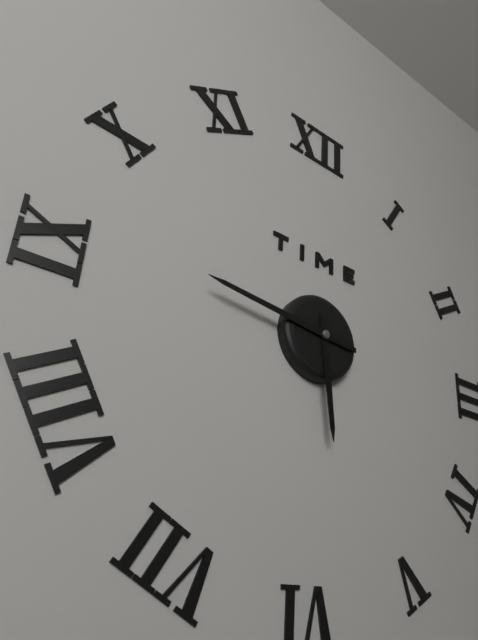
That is 5 h 46 min
